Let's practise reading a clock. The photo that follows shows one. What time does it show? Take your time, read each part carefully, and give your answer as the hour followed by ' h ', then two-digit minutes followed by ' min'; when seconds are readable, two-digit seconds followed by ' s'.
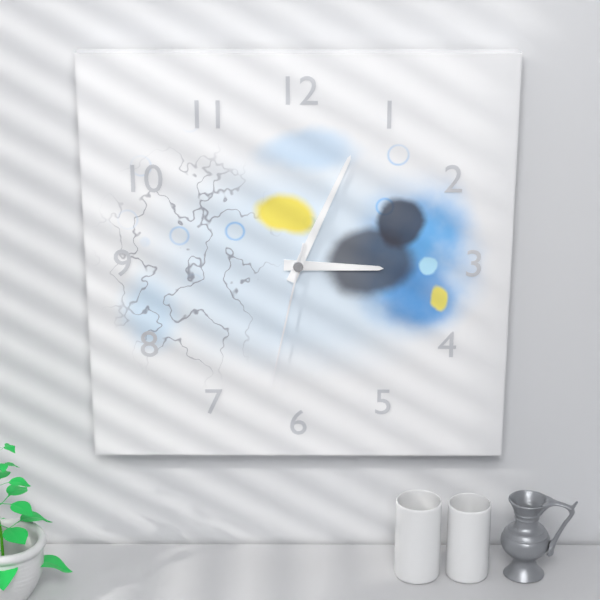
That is 3 h 04 min 32 s
